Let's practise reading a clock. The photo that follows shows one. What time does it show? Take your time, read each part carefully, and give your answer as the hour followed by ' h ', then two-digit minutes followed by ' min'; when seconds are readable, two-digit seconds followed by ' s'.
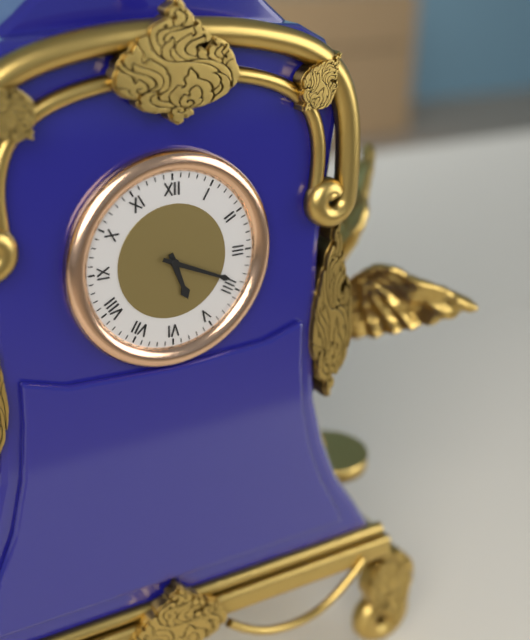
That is 5 h 19 min
